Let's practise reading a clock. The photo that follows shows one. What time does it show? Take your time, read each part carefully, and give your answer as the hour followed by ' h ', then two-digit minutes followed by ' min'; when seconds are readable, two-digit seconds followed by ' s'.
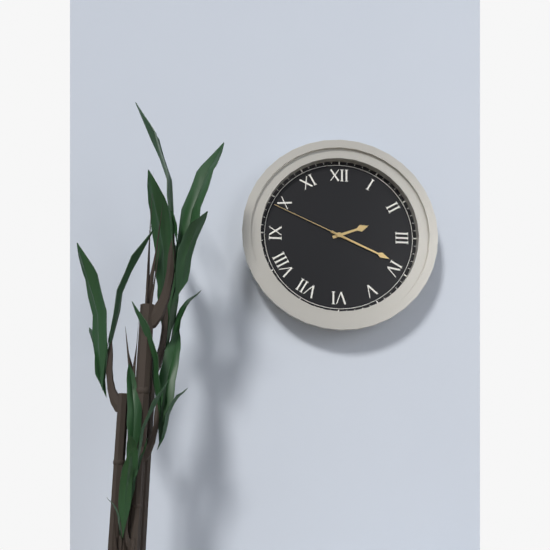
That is 2 h 19 min 49 s
